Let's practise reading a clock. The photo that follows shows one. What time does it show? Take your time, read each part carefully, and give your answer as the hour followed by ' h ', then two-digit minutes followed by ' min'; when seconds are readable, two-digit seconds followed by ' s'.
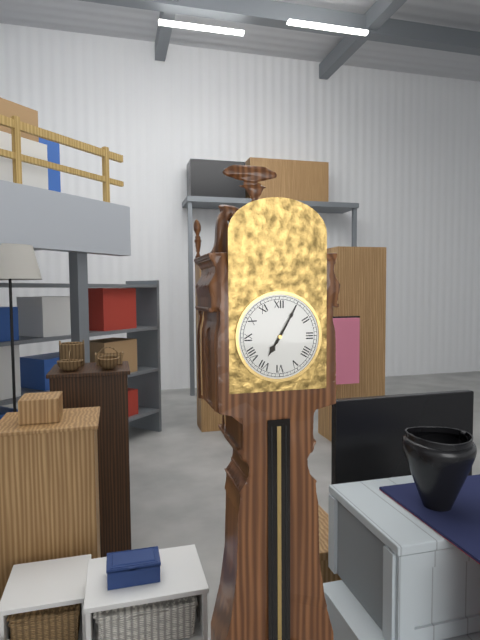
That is 7 h 05 min
